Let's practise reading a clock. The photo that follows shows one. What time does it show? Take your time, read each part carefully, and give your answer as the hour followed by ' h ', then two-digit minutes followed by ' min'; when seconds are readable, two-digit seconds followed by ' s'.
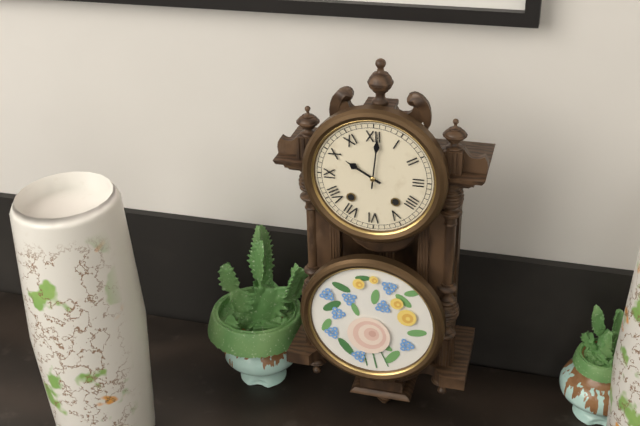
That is 10 h 01 min
